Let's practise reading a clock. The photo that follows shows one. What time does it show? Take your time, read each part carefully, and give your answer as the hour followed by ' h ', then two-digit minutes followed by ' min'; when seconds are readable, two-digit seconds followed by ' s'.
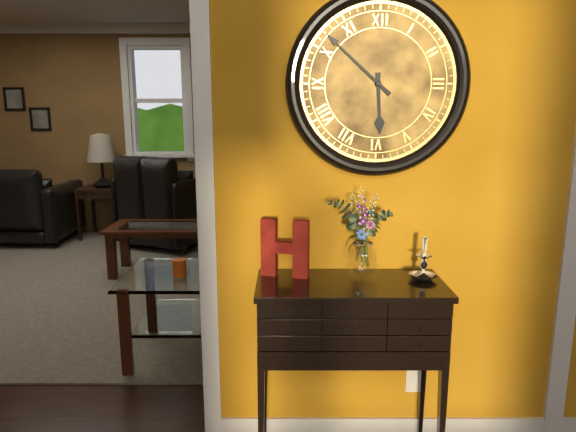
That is 5 h 52 min
